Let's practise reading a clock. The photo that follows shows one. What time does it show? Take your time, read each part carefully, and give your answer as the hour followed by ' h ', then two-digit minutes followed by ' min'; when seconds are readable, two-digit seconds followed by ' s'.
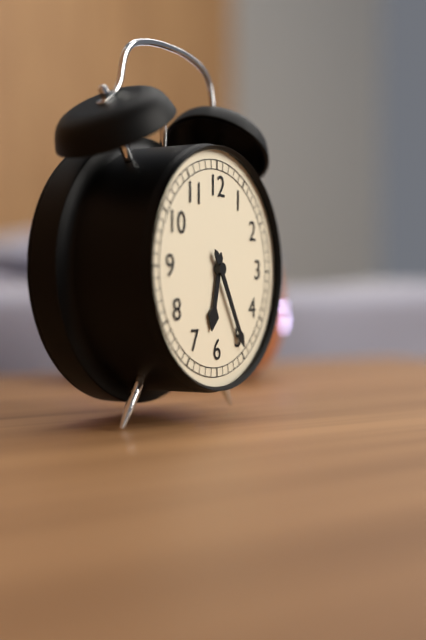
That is 6 h 25 min
